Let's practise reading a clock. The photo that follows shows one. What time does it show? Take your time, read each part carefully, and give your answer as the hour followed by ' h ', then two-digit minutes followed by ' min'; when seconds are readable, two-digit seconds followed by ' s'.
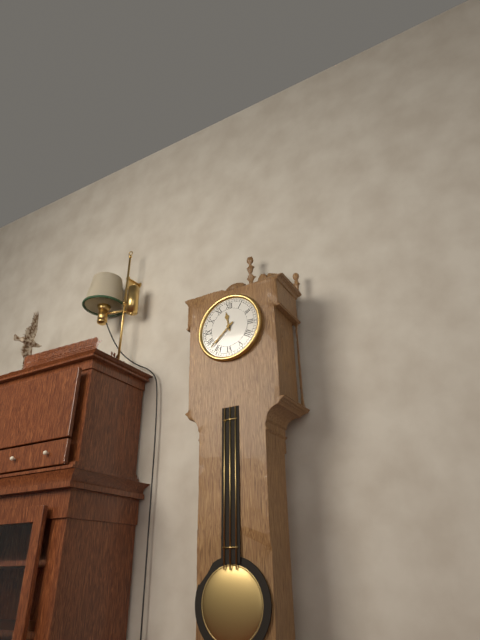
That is 11 h 38 min
